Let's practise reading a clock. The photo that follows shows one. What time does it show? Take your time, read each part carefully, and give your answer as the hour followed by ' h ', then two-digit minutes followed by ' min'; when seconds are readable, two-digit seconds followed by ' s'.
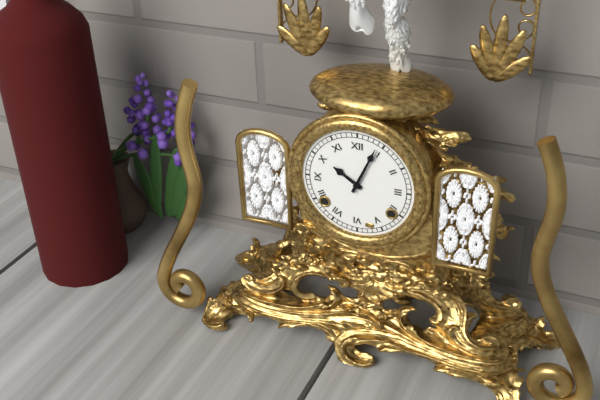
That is 10 h 04 min
